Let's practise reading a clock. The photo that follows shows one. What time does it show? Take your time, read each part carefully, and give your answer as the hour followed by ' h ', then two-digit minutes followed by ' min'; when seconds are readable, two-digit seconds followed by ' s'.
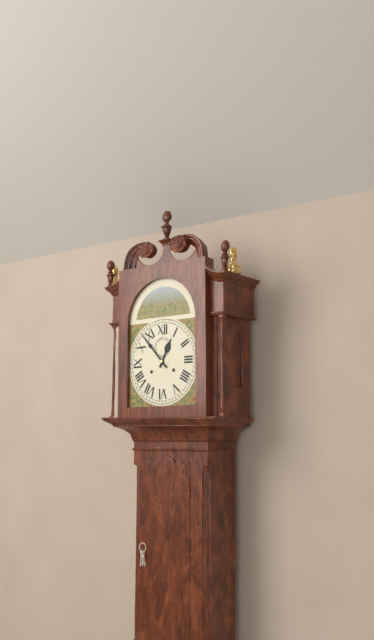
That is 12 h 53 min
